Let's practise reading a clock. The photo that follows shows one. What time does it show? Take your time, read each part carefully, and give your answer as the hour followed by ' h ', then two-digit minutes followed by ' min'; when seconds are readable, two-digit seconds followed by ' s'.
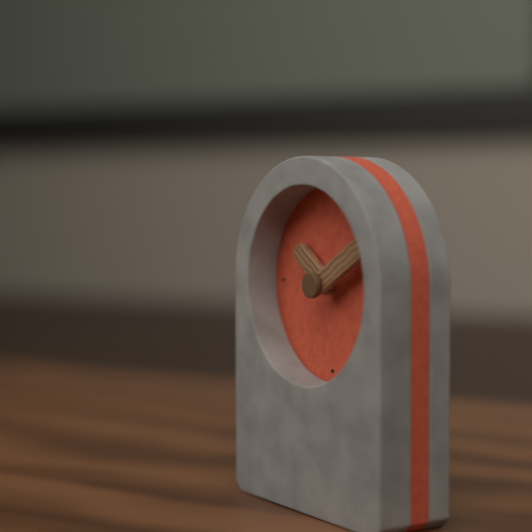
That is 10 h 10 min
